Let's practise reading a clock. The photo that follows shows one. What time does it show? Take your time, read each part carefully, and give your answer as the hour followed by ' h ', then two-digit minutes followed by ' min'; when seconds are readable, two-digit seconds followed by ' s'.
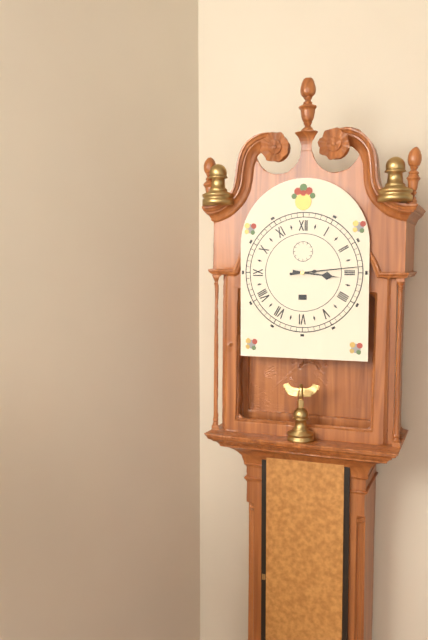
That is 3 h 14 min
